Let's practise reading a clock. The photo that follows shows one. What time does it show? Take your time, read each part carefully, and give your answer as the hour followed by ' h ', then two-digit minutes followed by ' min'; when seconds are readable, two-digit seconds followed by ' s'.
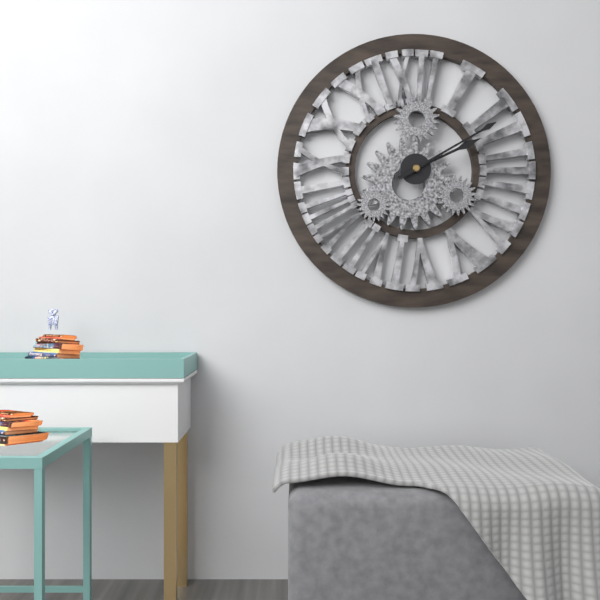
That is 2 h 10 min
